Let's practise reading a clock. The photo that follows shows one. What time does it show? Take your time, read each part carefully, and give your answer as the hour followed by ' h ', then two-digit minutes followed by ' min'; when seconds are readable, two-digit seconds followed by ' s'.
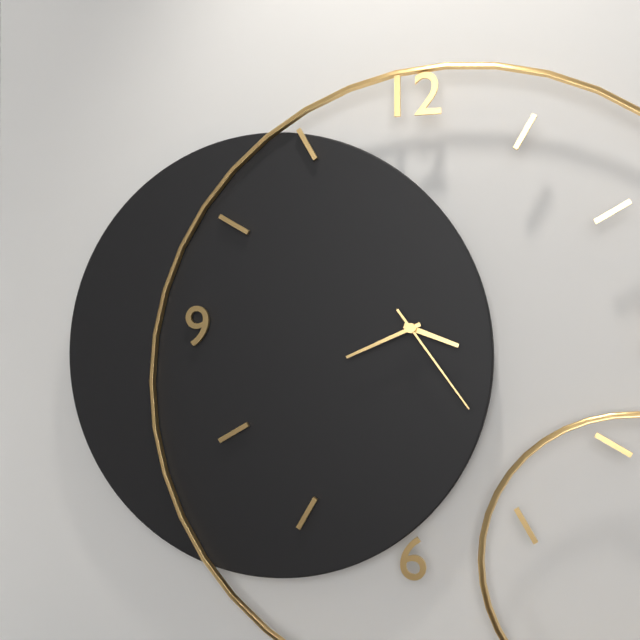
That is 3 h 41 min 24 s
